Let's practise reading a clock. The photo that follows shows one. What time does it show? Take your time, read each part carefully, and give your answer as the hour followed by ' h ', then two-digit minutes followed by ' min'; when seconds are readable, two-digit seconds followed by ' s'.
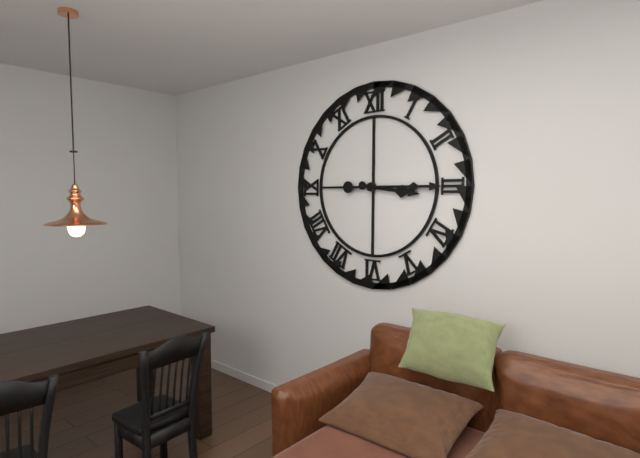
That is 3 h 15 min
